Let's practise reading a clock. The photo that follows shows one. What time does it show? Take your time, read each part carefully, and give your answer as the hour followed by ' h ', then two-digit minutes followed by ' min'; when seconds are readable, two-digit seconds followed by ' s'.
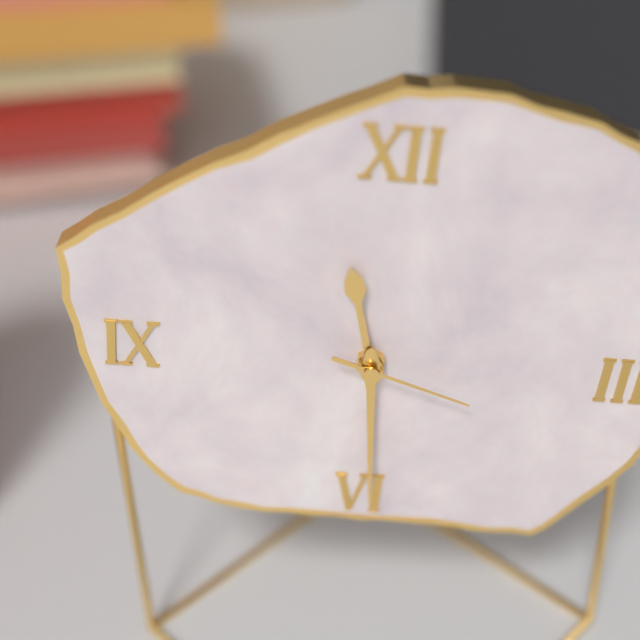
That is 11 h 29 min 18 s
